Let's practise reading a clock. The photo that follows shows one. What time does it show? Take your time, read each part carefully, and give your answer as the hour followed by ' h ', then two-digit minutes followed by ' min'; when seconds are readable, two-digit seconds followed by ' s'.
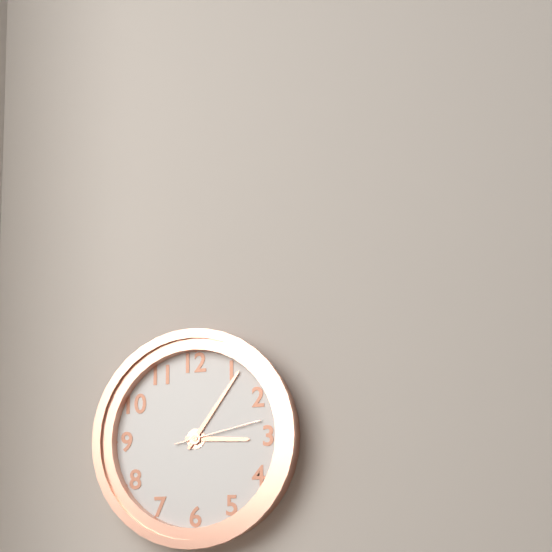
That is 3 h 06 min 13 s
